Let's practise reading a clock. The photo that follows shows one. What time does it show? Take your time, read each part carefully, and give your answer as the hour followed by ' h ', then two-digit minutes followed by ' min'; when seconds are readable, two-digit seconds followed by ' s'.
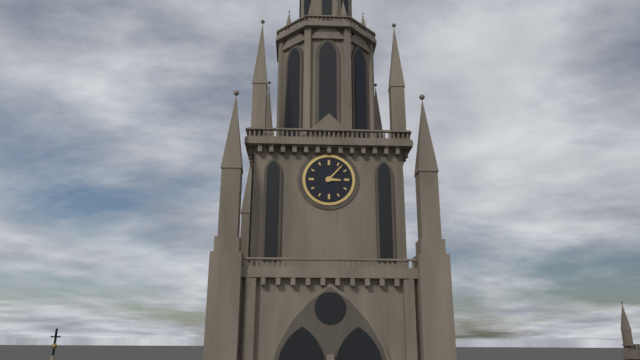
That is 3 h 07 min
